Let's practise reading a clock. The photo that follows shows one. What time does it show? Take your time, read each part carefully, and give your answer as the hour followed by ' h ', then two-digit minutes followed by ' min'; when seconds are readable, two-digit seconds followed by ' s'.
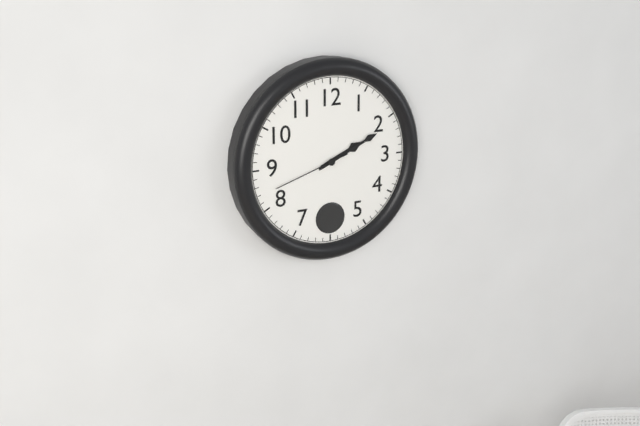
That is 2 h 11 min 42 s
